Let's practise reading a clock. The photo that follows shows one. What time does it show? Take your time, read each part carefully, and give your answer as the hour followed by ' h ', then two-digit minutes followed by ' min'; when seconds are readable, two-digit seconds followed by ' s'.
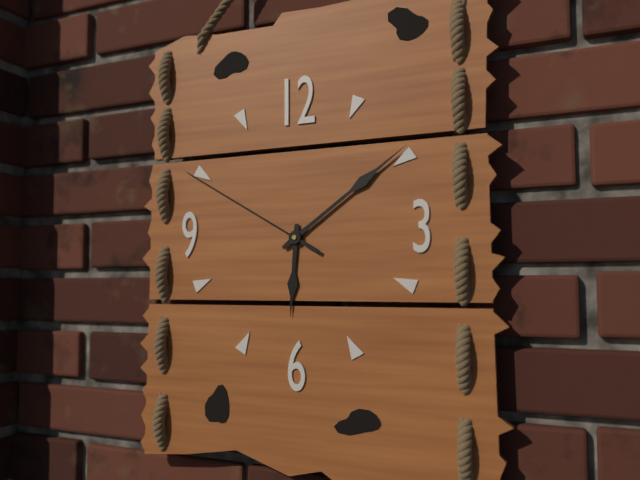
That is 6 h 09 min 50 s
